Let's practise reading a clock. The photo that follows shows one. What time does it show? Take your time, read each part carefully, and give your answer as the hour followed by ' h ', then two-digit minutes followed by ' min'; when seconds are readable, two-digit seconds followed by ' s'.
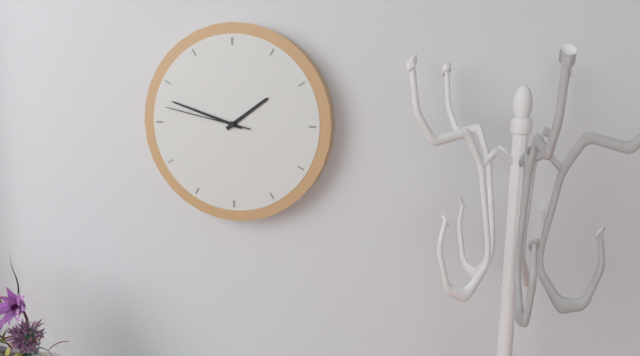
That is 1 h 48 min 47 s
